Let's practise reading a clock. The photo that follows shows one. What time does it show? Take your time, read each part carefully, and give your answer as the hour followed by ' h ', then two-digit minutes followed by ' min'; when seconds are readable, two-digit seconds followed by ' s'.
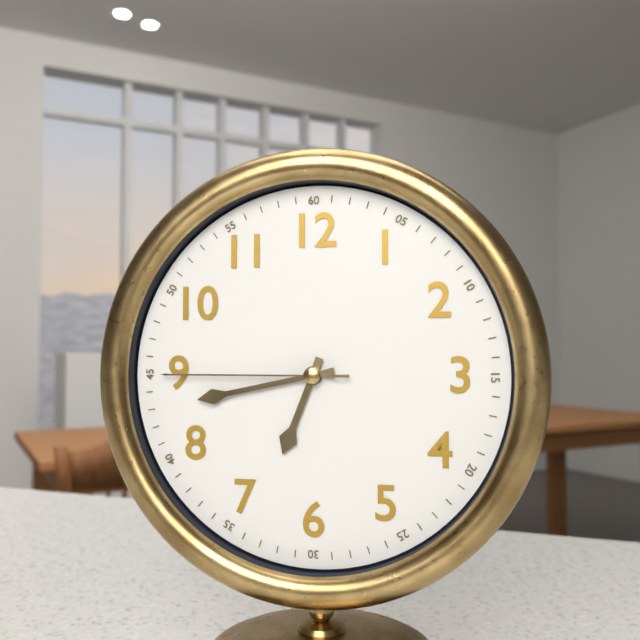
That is 6 h 43 min 45 s
